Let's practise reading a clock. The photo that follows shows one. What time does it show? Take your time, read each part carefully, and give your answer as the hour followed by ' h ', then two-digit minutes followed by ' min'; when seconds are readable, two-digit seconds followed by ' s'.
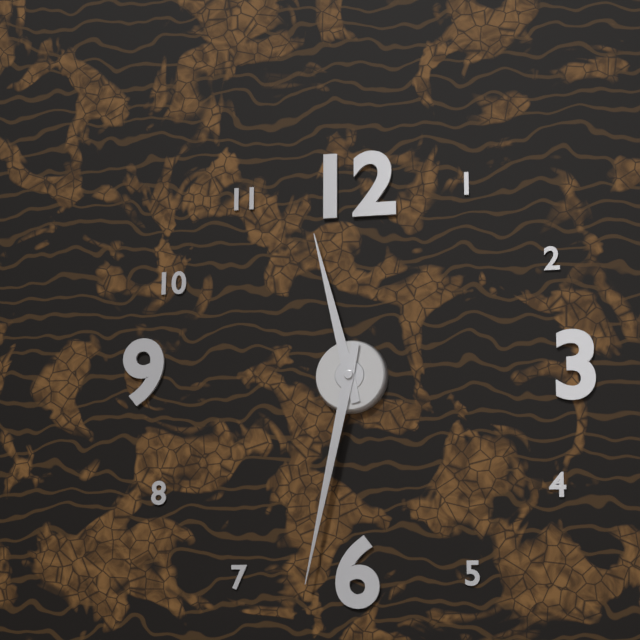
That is 11 h 32 min
